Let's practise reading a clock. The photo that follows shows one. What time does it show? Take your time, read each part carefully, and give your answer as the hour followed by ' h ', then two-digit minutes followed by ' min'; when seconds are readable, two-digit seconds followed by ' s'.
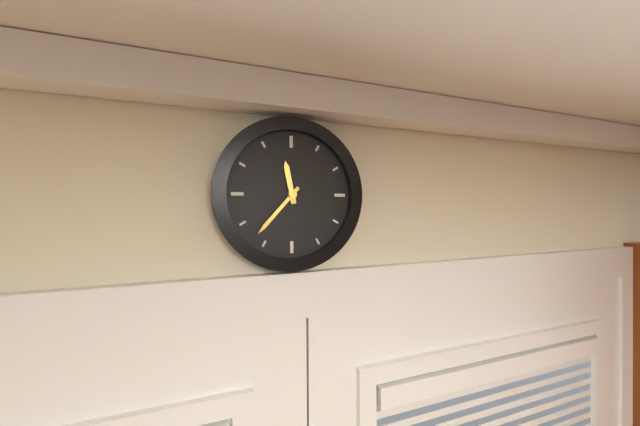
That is 11 h 37 min
